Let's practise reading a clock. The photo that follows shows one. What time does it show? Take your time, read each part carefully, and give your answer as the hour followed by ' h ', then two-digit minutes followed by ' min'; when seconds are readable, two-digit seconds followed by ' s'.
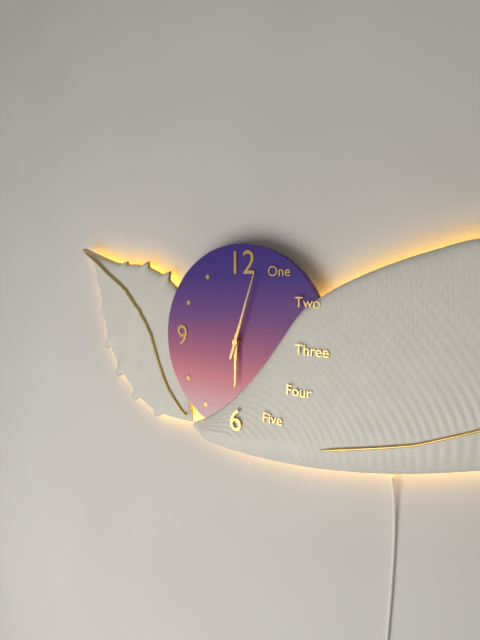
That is 6 h 03 min
